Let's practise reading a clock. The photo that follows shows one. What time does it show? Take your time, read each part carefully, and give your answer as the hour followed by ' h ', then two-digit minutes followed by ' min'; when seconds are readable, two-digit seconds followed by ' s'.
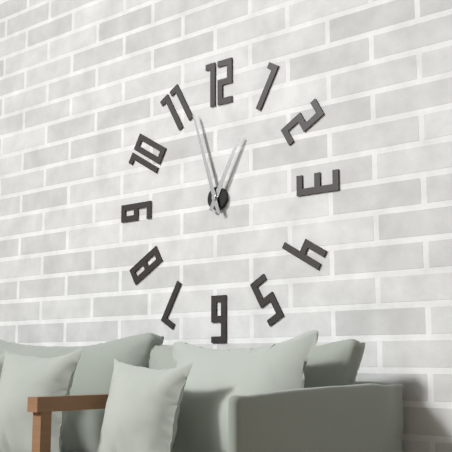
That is 12 h 57 min
